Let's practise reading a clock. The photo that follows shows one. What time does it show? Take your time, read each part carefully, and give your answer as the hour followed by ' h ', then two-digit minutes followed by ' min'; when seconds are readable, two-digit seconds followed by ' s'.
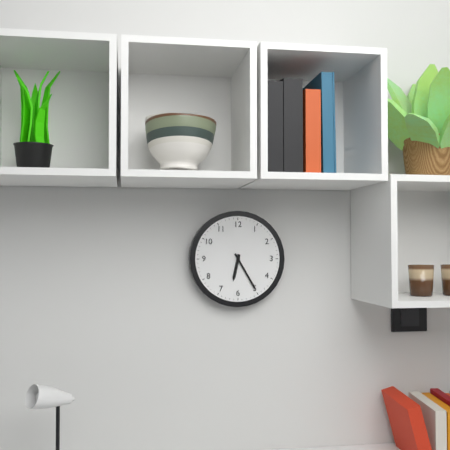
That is 6 h 25 min
